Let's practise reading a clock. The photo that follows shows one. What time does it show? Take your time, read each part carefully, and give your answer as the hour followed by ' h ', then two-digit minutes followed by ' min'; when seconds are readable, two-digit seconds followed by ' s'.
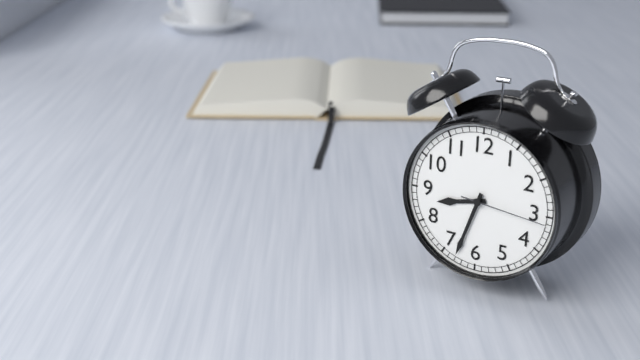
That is 8 h 33 min 16 s
